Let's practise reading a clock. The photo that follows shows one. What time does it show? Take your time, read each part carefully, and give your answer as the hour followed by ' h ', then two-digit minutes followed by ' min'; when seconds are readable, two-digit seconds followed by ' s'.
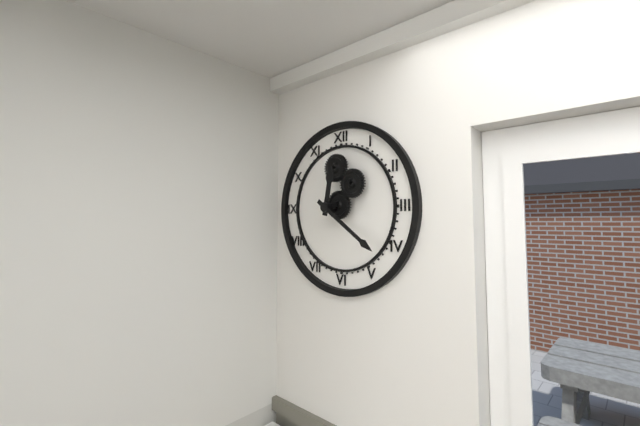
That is 12 h 21 min
